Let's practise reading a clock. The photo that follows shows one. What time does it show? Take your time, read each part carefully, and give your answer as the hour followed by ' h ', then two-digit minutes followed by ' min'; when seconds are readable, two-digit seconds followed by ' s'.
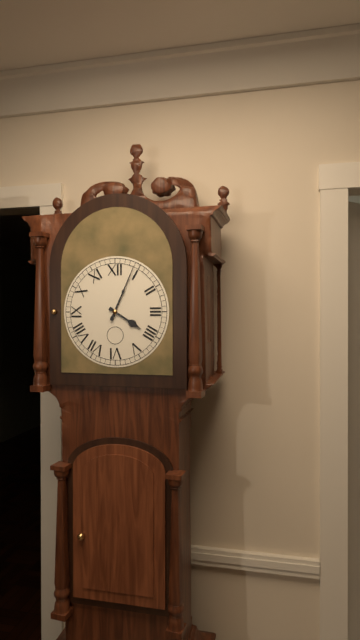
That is 4 h 04 min
